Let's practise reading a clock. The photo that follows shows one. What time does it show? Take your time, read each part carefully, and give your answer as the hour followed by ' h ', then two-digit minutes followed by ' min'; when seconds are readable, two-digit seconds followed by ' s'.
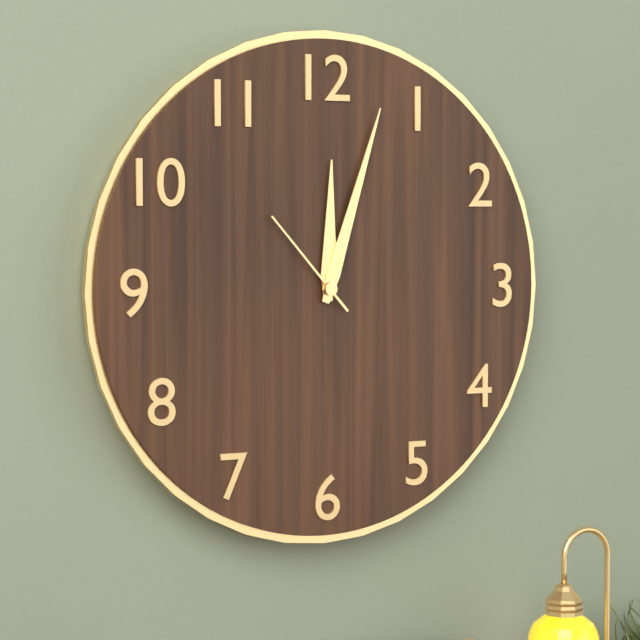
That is 12 h 03 min 53 s
